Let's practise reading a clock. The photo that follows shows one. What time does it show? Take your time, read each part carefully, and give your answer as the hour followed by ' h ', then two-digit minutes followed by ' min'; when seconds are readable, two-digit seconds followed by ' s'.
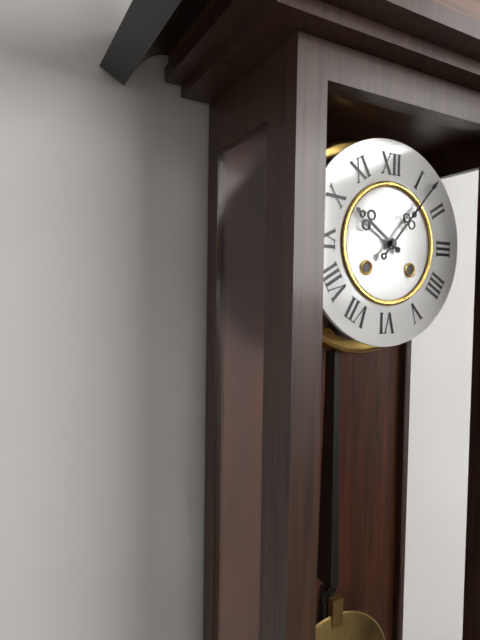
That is 10 h 07 min
